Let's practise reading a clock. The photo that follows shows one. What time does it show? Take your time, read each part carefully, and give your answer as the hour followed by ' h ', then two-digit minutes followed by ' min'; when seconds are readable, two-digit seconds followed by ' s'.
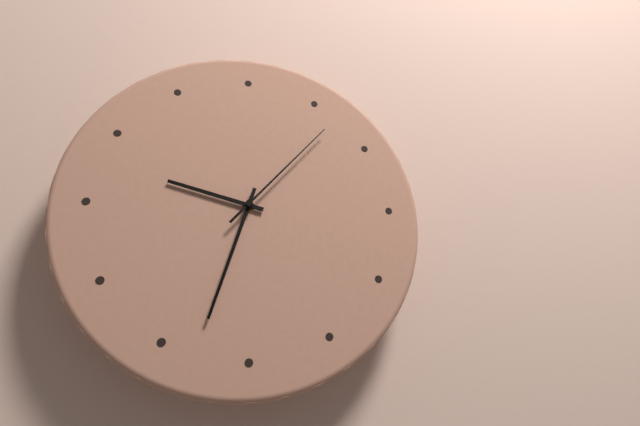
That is 9 h 33 min 07 s
